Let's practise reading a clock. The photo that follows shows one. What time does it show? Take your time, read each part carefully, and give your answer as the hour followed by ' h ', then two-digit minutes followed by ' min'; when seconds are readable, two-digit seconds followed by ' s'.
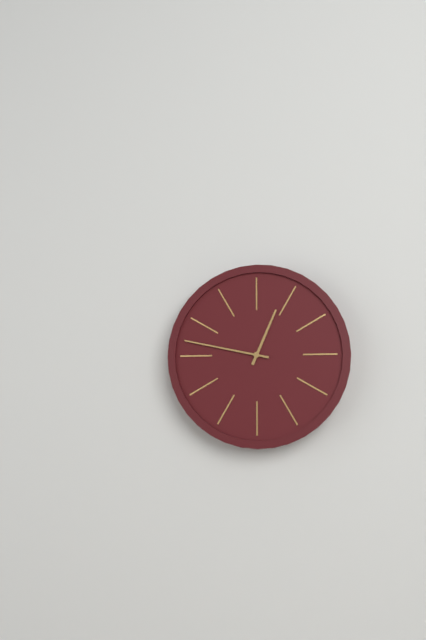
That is 12 h 47 min
